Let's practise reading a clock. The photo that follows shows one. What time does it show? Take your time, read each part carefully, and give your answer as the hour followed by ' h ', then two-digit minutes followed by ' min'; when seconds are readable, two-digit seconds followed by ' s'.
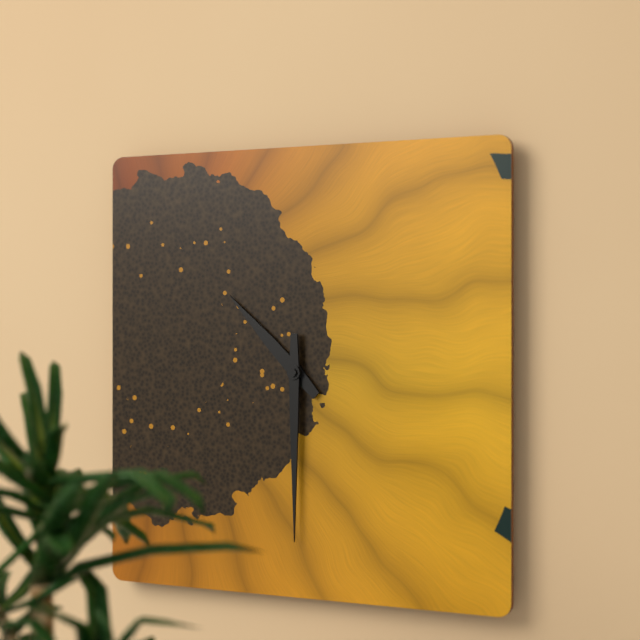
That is 10 h 30 min
